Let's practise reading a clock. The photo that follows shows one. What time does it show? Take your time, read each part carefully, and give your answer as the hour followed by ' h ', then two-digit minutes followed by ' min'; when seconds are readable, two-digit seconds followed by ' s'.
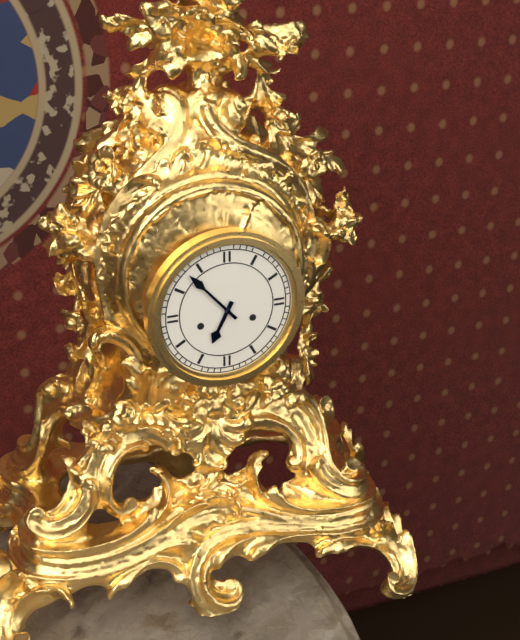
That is 6 h 53 min
